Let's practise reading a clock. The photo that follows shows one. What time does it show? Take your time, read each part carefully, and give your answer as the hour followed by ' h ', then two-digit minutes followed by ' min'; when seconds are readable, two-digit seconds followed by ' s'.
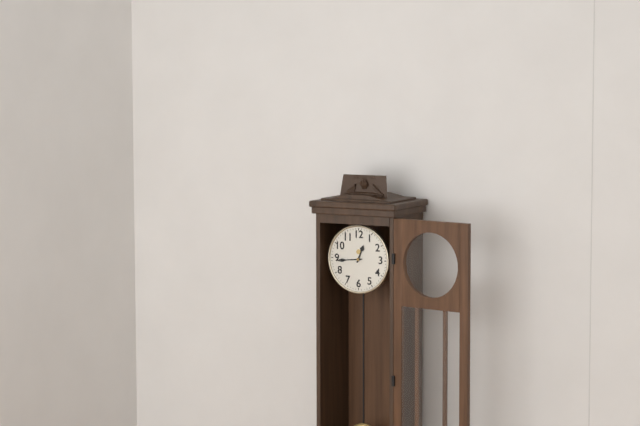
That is 12 h 44 min
